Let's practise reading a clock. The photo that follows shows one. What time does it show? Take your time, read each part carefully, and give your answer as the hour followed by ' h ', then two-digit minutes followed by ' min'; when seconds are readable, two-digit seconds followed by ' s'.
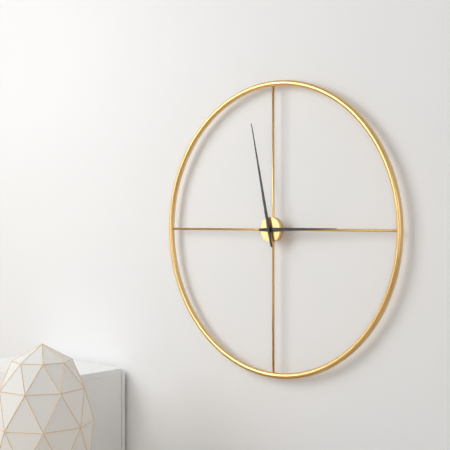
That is 2 h 58 min
